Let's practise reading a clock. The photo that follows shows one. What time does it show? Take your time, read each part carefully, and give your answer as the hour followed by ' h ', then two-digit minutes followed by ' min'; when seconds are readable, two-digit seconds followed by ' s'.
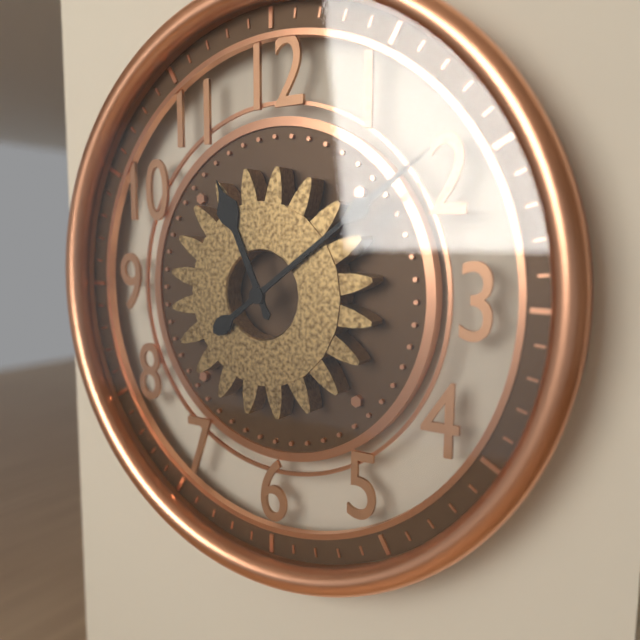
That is 11 h 09 min
